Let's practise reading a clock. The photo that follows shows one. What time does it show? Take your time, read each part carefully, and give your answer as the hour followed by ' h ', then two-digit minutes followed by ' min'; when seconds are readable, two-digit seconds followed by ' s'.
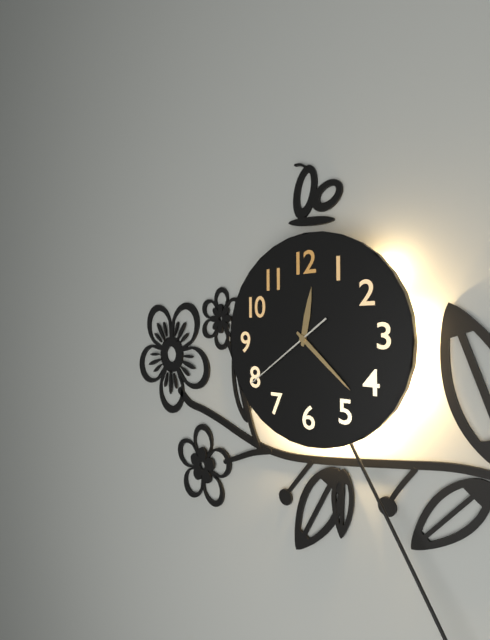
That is 12 h 22 min 39 s
